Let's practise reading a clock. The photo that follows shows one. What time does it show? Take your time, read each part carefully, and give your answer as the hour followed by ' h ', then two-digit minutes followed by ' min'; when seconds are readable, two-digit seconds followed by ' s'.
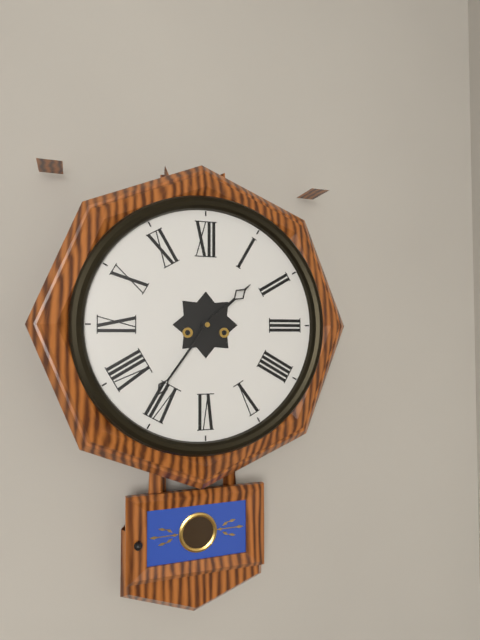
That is 1 h 36 min
